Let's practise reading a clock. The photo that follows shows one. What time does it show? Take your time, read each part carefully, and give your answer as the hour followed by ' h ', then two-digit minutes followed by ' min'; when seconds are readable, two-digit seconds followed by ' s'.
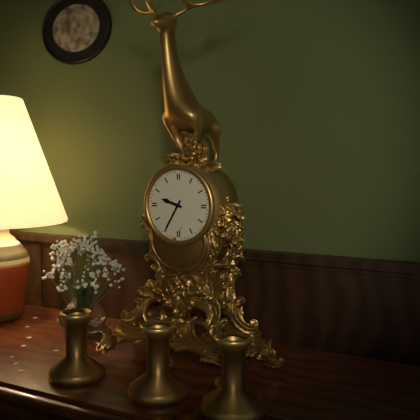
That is 9 h 35 min
